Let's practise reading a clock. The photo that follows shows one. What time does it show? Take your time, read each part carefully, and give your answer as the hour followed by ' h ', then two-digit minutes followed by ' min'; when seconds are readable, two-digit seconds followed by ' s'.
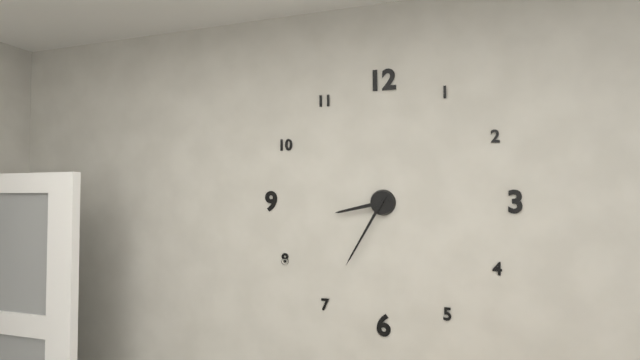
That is 8 h 35 min
